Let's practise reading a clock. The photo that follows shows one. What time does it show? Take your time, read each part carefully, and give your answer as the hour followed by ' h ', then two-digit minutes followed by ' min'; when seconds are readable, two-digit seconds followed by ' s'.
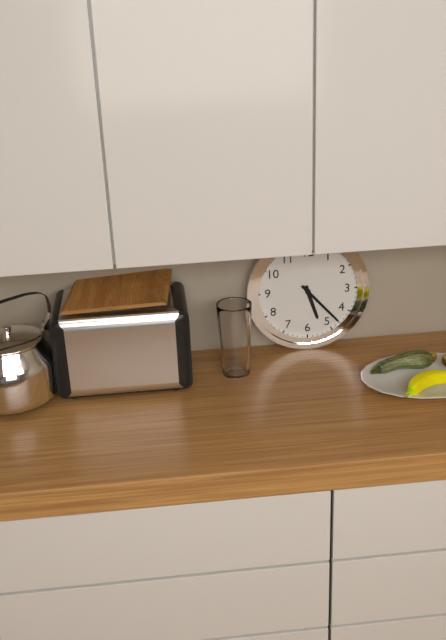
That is 5 h 23 min
